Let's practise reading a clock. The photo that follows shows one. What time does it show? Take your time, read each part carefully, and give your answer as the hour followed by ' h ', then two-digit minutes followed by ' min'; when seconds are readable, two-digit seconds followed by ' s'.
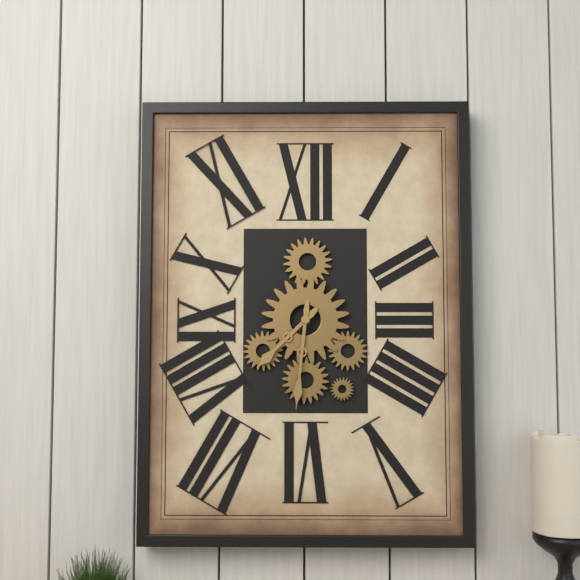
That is 7 h 31 min
